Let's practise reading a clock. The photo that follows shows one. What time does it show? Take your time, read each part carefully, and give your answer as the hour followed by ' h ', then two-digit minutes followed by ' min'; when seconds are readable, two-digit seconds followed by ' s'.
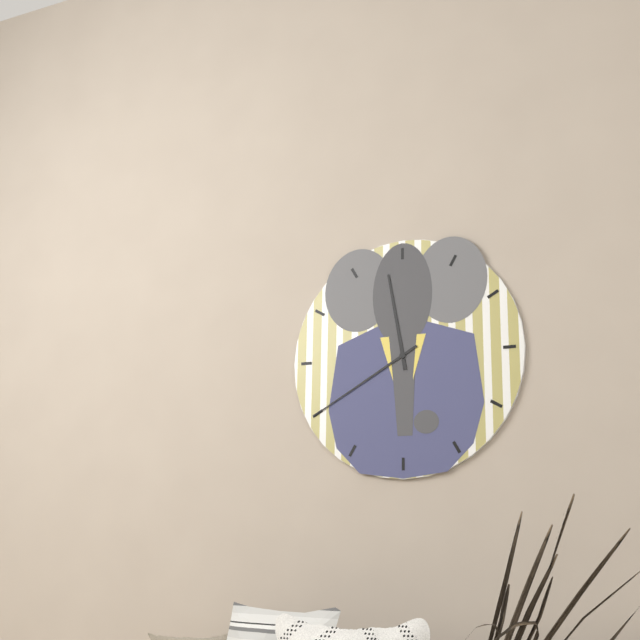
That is 11 h 40 min
